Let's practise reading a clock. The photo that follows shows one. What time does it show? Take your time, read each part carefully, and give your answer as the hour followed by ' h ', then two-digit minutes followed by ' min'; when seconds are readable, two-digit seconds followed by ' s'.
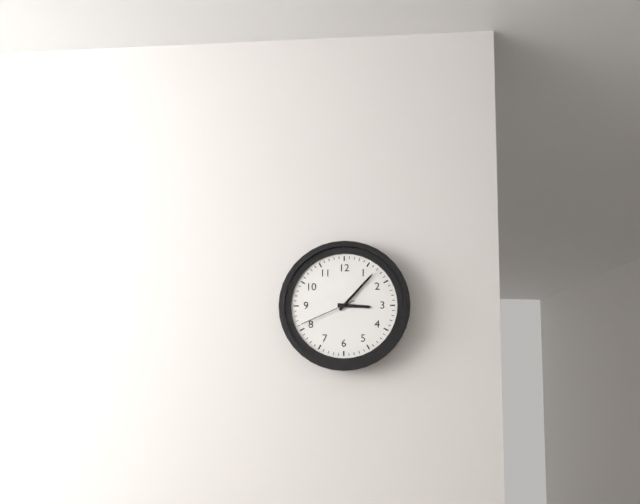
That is 3 h 07 min 41 s
